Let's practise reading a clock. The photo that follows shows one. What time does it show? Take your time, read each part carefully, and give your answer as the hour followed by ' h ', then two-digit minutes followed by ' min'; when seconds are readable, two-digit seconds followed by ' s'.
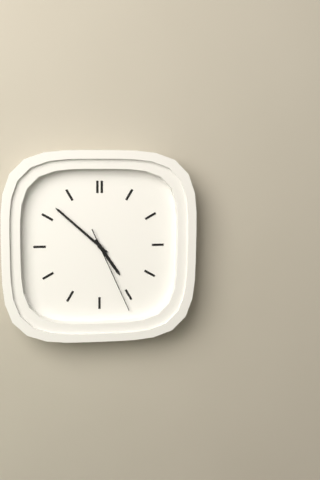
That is 4 h 52 min 26 s
